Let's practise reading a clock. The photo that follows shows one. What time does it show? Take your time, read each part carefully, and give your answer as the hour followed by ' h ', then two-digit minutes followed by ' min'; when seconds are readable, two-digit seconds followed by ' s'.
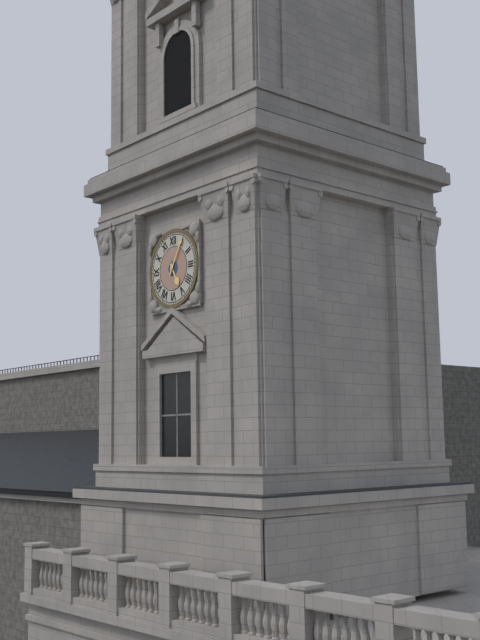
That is 5 h 05 min
